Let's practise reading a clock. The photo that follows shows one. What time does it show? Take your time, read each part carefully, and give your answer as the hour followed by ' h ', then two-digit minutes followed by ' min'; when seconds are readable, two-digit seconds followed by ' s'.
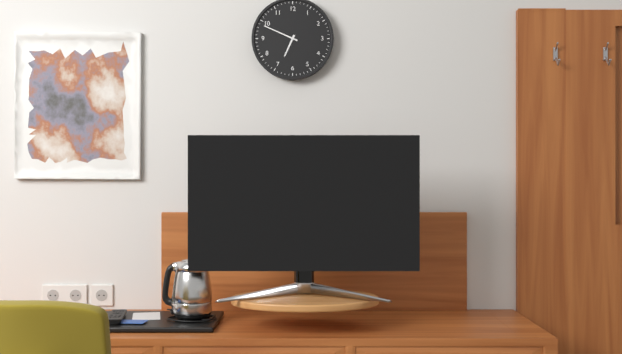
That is 6 h 49 min
